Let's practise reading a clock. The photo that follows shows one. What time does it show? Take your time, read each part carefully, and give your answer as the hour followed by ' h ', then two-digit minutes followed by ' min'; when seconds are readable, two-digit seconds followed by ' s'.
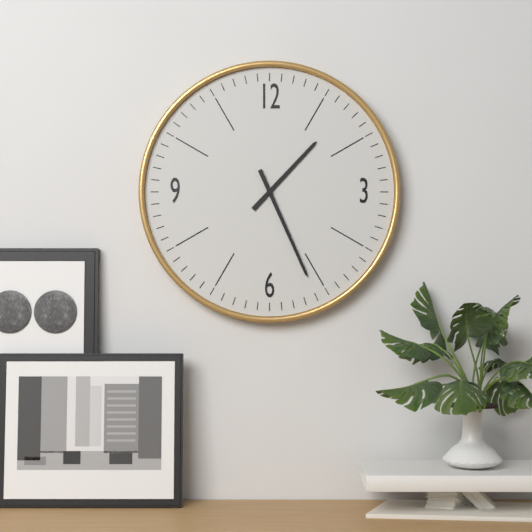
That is 1 h 26 min
